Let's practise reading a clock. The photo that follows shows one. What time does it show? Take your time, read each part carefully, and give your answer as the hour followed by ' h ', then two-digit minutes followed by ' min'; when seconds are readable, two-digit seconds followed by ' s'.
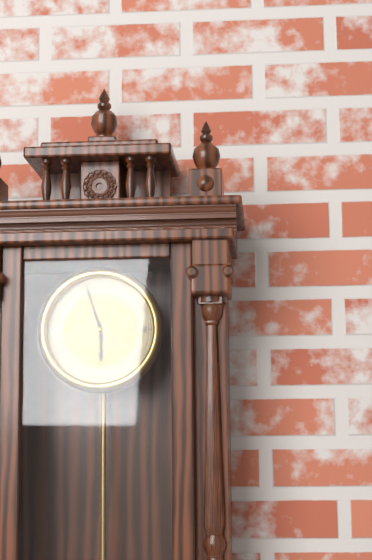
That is 5 h 57 min
